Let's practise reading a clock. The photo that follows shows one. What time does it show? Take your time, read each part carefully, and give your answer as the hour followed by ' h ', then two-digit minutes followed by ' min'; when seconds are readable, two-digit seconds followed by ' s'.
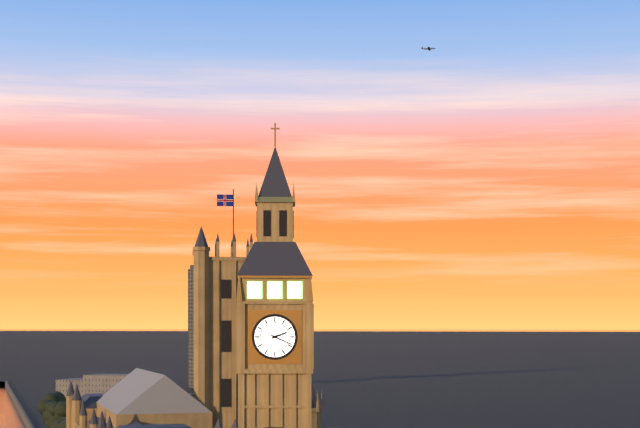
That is 2 h 19 min
